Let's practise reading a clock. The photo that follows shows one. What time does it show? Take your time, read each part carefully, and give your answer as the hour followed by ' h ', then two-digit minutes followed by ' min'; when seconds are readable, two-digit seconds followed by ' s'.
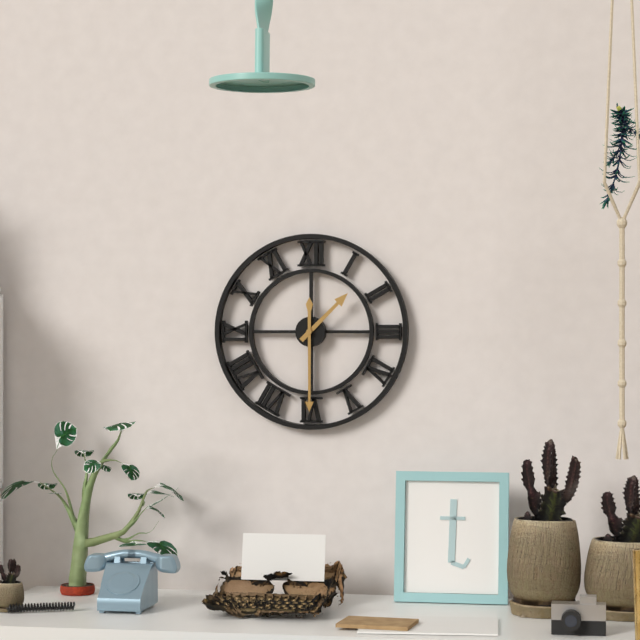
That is 1 h 30 min
